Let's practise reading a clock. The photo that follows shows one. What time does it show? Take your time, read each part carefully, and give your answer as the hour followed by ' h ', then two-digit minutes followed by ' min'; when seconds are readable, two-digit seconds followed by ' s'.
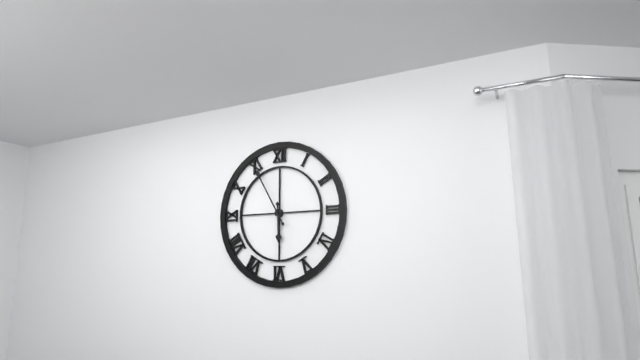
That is 5 h 55 min
